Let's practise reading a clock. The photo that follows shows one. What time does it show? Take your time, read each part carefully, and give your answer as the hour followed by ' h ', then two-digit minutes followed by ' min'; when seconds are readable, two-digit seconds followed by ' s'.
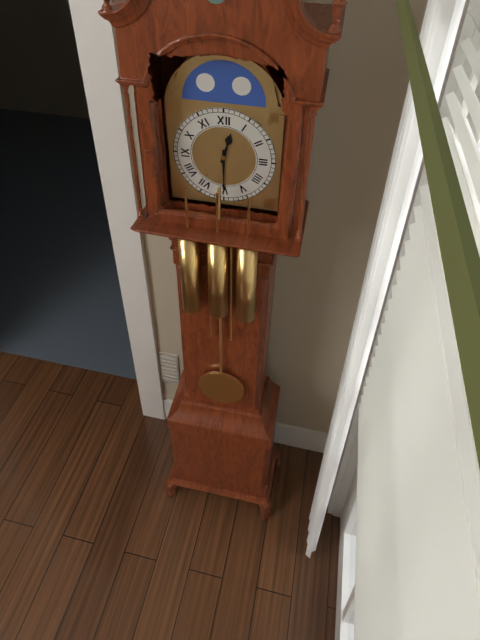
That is 12 h 30 min
